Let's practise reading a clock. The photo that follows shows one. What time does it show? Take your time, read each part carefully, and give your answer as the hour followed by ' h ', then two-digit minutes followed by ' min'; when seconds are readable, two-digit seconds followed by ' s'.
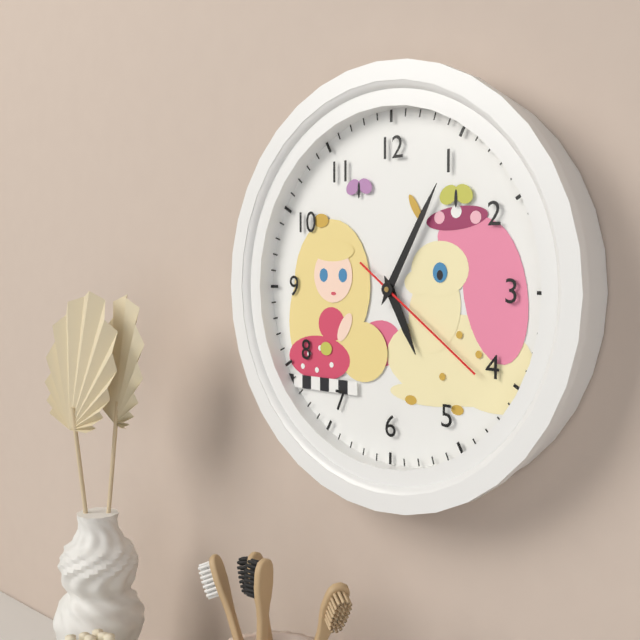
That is 5 h 05 min 21 s
